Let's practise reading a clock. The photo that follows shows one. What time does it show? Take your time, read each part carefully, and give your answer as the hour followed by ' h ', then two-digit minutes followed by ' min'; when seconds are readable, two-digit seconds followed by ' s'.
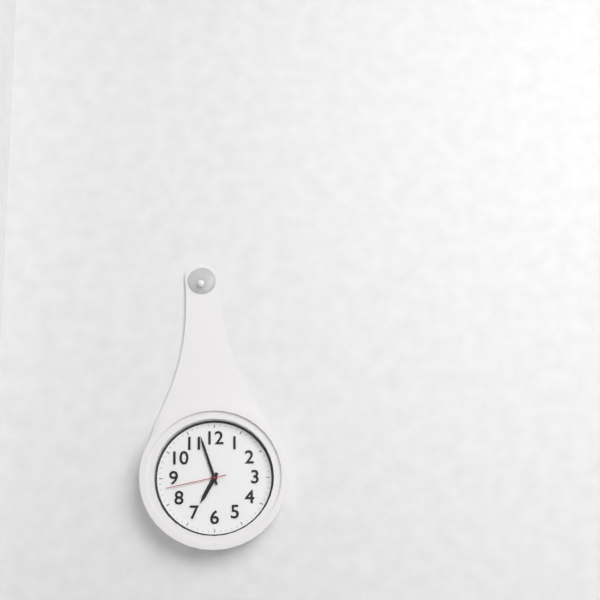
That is 6 h 57 min 43 s
